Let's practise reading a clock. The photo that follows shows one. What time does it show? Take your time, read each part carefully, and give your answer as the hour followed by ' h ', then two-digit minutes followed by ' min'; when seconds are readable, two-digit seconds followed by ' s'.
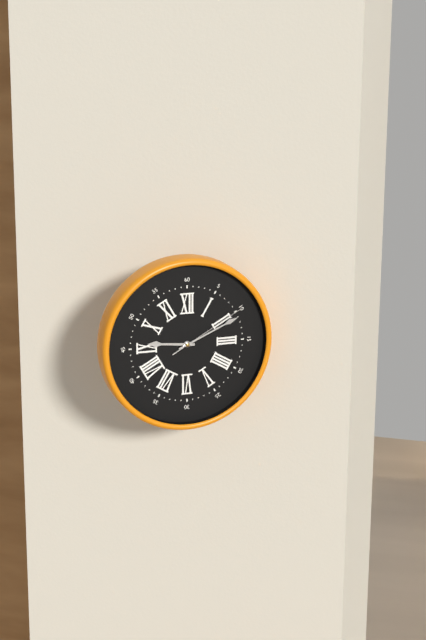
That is 9 h 11 min 10 s
